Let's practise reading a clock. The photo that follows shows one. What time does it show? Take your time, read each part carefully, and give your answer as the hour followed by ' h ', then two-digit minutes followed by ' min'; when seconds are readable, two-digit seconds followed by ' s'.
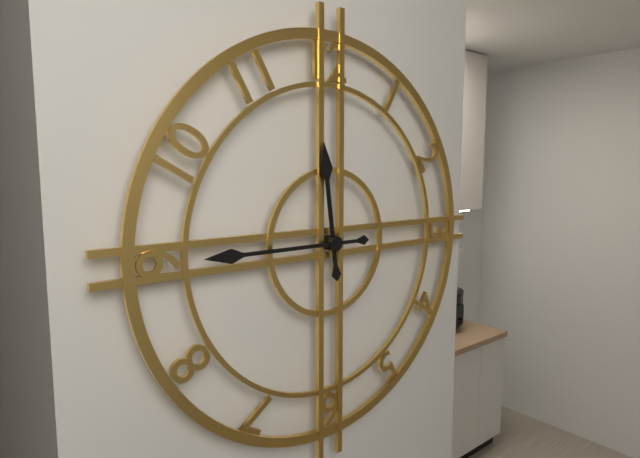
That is 11 h 45 min
